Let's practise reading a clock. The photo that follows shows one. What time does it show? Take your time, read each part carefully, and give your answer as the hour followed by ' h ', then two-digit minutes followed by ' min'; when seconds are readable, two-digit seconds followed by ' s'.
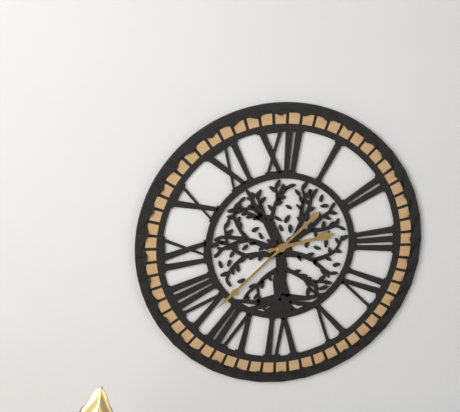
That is 2 h 38 min
